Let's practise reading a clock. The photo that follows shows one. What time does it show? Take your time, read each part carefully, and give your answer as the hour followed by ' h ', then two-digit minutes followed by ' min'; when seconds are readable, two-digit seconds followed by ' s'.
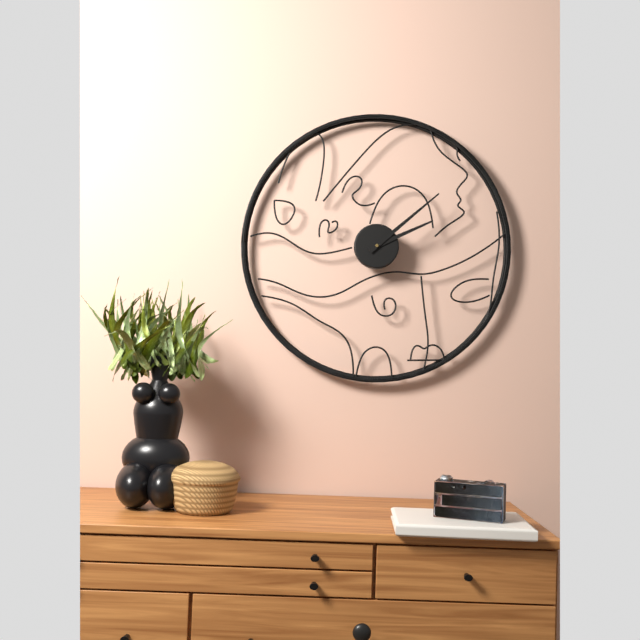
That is 2 h 08 min
